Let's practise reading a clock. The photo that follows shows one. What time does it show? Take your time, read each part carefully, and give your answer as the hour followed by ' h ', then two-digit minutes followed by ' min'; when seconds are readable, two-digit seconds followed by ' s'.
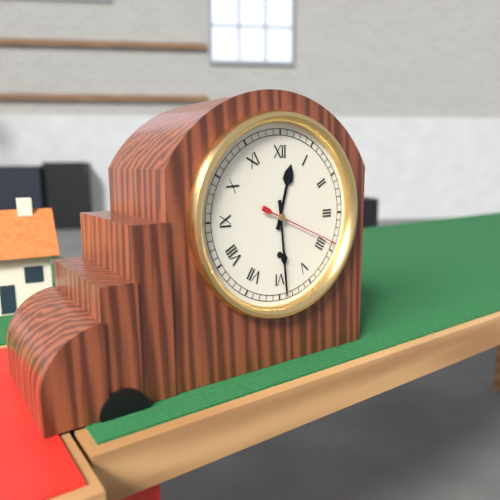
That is 12 h 29 min 19 s
